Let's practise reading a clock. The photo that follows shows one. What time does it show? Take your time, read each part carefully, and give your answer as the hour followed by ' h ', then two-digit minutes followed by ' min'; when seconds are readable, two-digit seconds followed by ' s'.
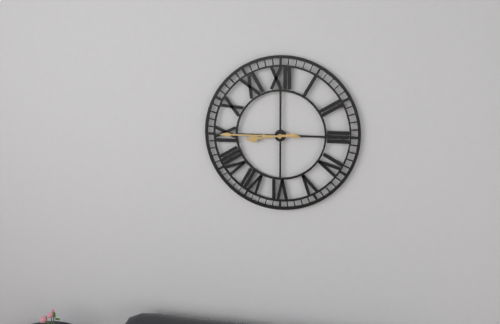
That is 8 h 45 min
